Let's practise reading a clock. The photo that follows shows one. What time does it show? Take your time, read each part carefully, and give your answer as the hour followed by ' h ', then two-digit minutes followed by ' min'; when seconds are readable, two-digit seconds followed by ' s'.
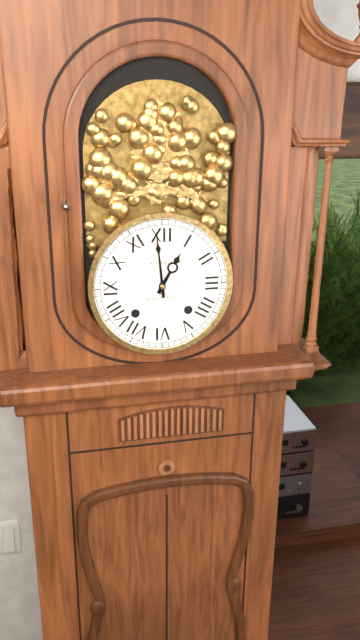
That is 12 h 59 min
